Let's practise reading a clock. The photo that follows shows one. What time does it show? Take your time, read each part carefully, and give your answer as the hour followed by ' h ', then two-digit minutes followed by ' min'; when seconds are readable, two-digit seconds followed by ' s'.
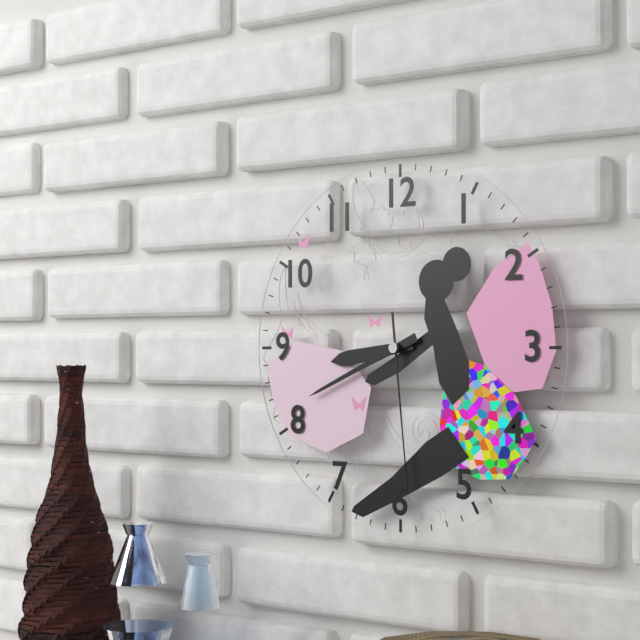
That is 8 h 41 min 29 s
